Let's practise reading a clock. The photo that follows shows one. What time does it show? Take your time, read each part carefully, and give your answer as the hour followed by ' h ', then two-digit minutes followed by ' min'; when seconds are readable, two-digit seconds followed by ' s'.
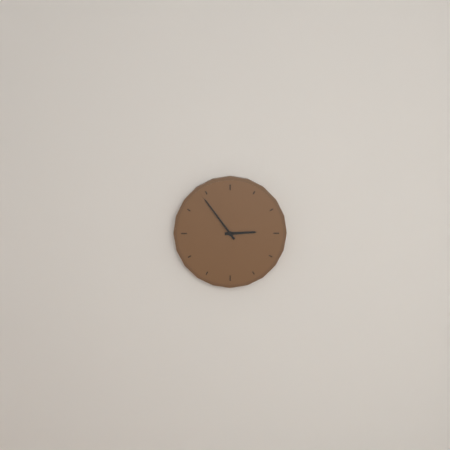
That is 2 h 54 min
